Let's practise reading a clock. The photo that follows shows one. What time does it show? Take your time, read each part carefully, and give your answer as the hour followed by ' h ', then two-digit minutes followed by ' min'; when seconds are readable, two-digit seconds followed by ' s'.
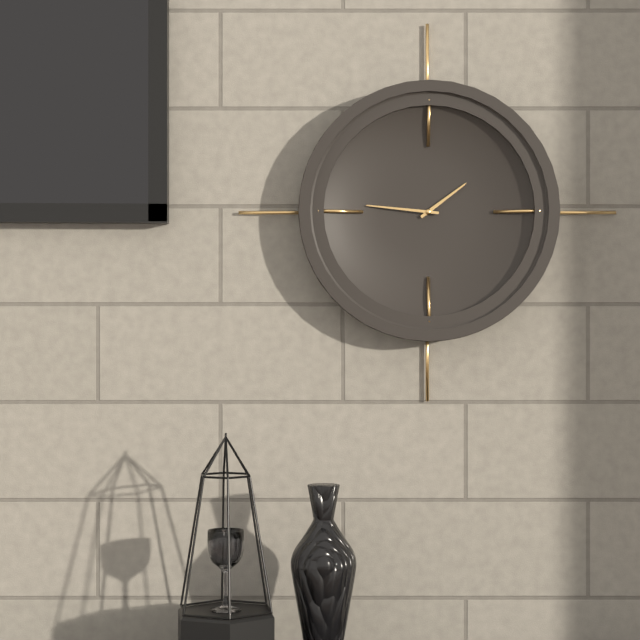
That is 1 h 46 min
